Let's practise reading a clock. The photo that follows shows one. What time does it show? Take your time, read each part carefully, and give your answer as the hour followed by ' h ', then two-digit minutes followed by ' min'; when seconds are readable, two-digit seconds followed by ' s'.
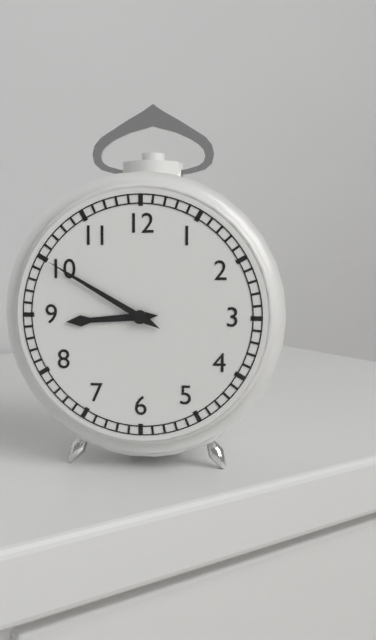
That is 8 h 50 min
